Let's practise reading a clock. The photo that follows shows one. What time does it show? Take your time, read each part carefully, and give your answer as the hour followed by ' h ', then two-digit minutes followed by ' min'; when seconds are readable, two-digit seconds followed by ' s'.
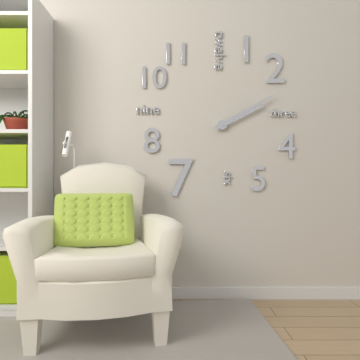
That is 2 h 10 min
